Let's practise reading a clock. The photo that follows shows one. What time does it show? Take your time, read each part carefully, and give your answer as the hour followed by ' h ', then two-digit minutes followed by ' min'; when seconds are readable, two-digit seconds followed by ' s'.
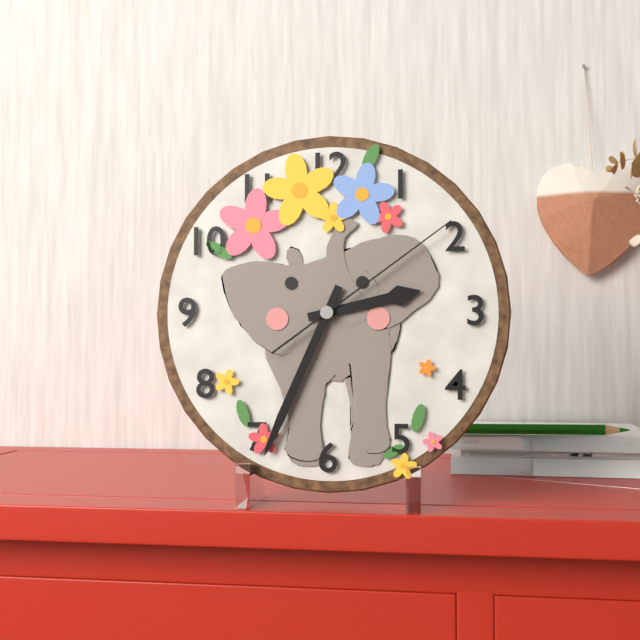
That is 2 h 34 min 09 s
